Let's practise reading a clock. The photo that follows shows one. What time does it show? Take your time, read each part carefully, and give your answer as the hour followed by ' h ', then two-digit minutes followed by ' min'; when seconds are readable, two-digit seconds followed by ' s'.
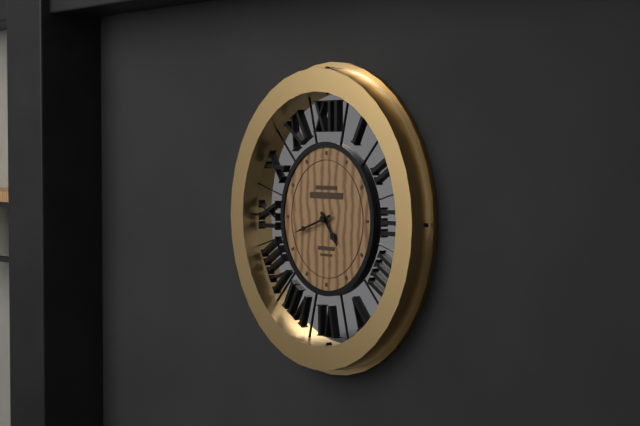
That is 4 h 42 min
